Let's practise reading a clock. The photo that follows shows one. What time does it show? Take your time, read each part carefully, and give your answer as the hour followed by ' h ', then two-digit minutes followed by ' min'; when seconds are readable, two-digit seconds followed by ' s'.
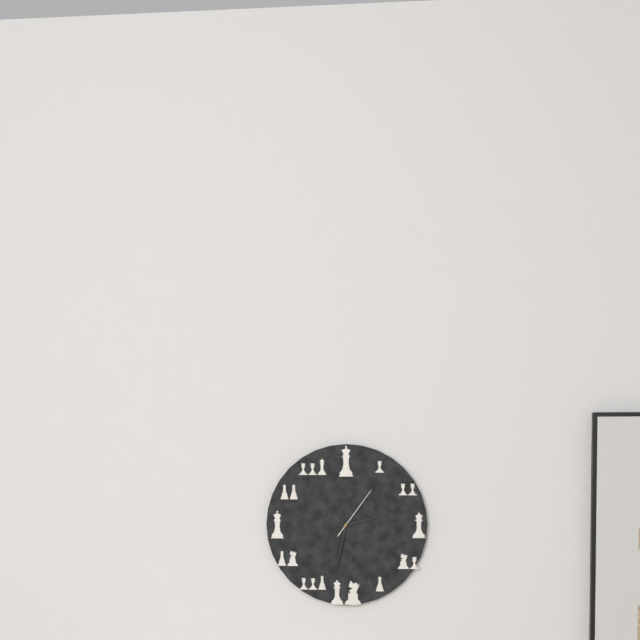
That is 2 h 32 min 06 s
